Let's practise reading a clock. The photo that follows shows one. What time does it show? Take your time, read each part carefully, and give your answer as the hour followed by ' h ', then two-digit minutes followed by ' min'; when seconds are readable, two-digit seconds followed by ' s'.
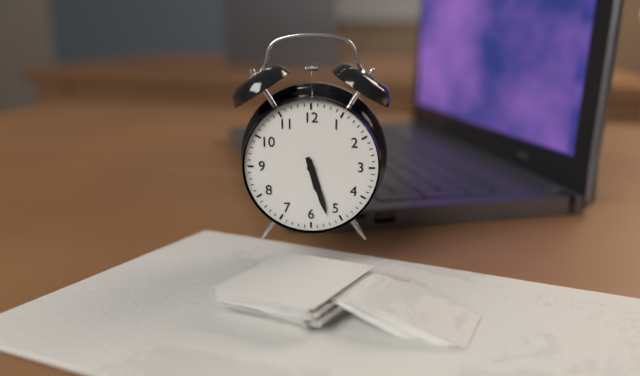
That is 5 h 27 min
